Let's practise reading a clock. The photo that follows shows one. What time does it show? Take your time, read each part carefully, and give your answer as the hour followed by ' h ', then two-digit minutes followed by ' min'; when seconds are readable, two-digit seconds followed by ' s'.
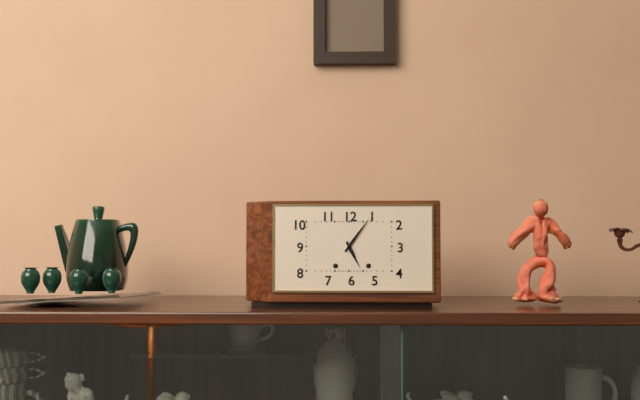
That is 5 h 06 min
